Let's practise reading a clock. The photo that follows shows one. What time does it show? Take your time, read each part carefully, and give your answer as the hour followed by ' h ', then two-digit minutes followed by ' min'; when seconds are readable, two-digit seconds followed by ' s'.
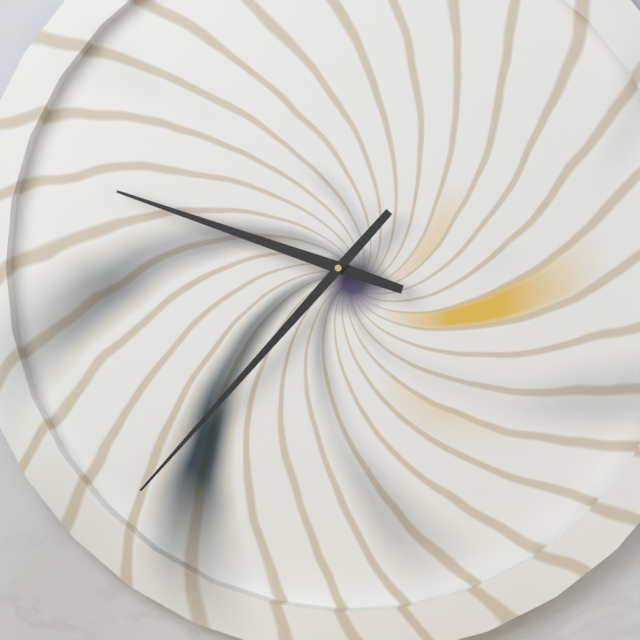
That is 9 h 37 min
